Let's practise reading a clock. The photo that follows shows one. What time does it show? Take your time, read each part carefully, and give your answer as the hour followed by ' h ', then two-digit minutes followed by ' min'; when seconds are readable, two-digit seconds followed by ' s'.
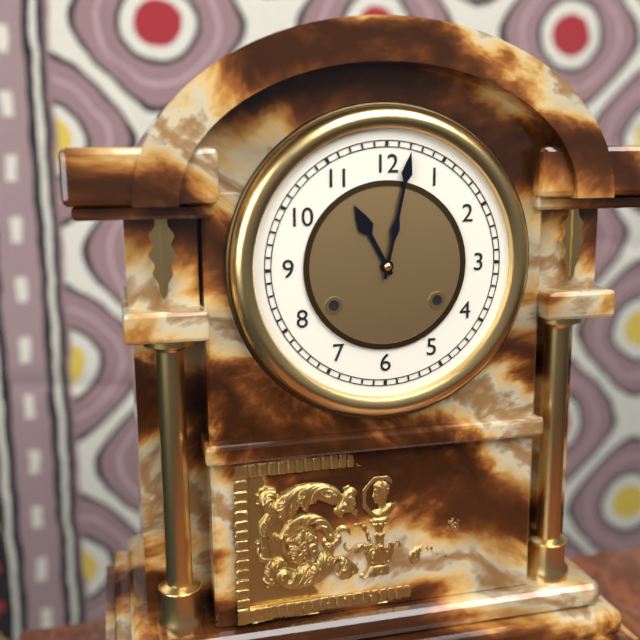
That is 11 h 02 min
